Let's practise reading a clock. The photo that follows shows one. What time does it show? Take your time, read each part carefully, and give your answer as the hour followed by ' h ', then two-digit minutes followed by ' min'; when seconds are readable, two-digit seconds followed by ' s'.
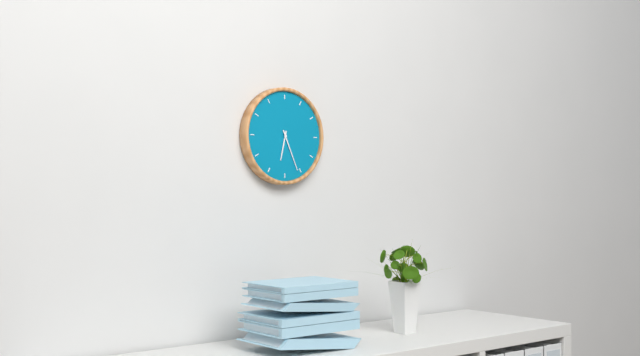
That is 6 h 26 min
